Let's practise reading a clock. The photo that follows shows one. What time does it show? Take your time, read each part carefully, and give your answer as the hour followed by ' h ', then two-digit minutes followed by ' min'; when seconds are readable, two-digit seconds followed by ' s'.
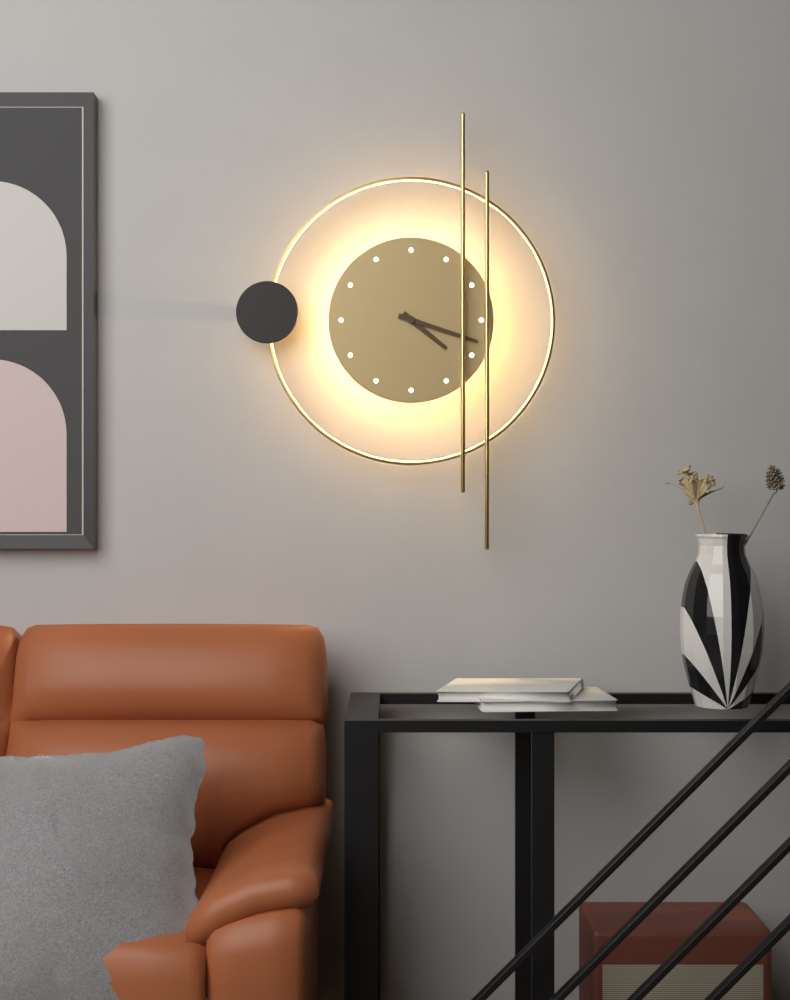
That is 4 h 18 min
